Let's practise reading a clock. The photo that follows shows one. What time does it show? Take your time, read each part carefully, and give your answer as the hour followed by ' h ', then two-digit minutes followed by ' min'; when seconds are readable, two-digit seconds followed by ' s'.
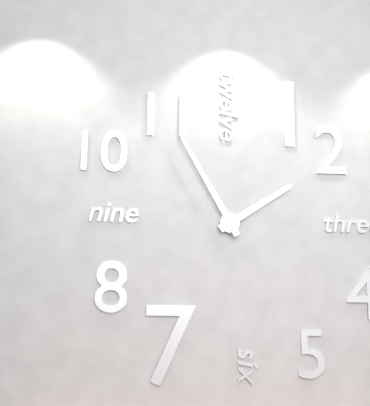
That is 1 h 55 min
